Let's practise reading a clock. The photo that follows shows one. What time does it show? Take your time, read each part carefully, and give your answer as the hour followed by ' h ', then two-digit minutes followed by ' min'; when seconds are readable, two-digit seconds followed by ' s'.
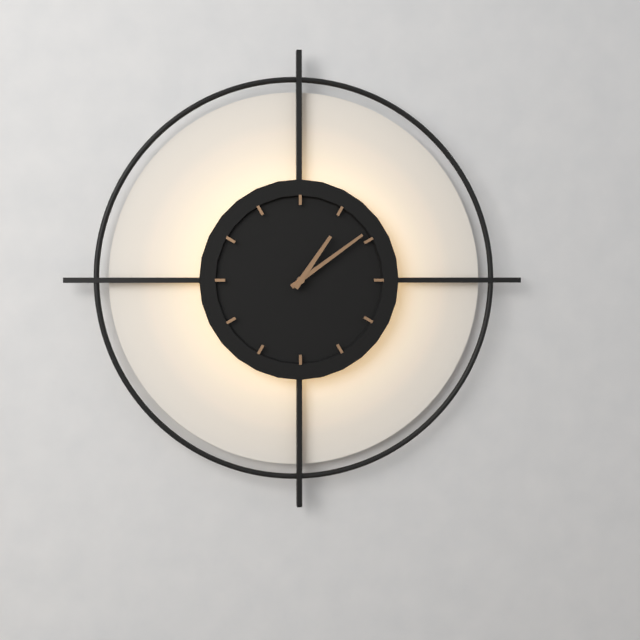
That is 1 h 09 min
